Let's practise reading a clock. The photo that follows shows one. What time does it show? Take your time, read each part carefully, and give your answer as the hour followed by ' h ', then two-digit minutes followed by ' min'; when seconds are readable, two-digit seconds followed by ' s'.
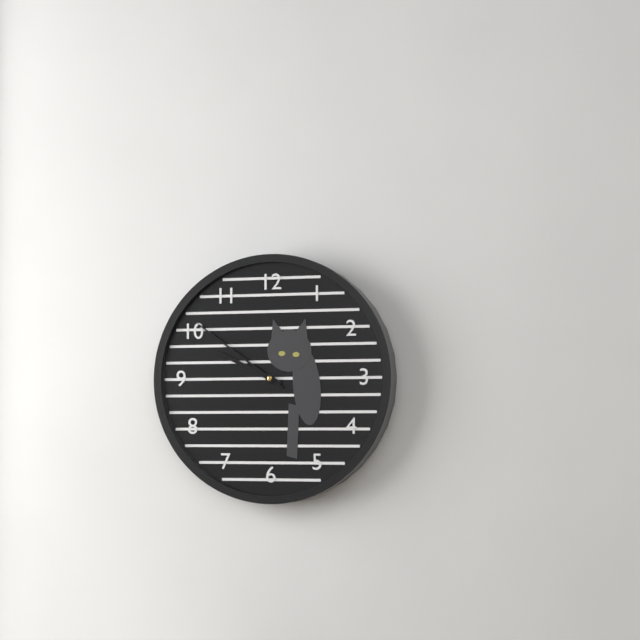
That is 9 h 51 min
